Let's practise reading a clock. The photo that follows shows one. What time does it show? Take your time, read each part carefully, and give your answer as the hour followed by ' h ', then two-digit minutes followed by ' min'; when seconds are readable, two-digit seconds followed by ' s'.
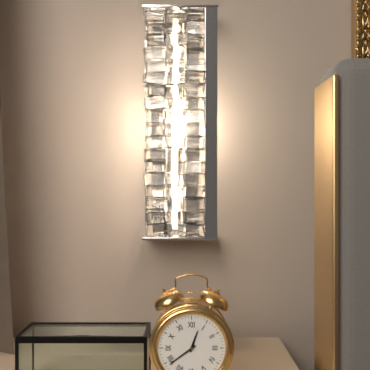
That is 12 h 39 min
